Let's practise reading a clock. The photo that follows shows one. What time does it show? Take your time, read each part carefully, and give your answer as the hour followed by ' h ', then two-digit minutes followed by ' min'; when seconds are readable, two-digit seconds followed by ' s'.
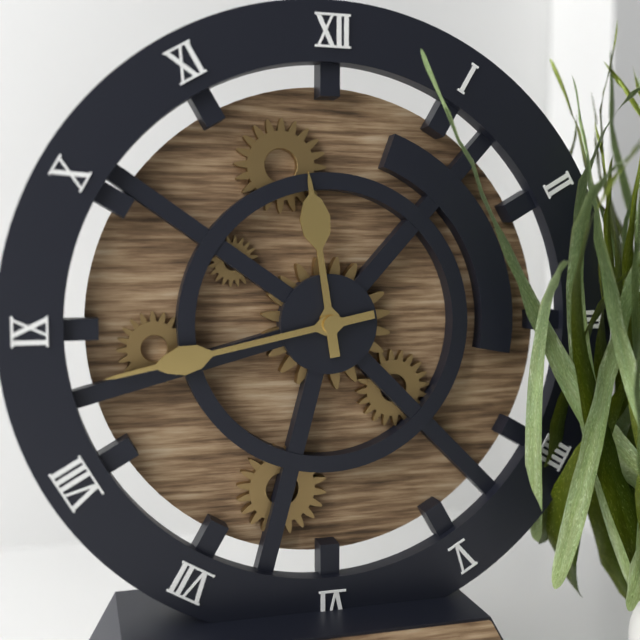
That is 11 h 43 min
